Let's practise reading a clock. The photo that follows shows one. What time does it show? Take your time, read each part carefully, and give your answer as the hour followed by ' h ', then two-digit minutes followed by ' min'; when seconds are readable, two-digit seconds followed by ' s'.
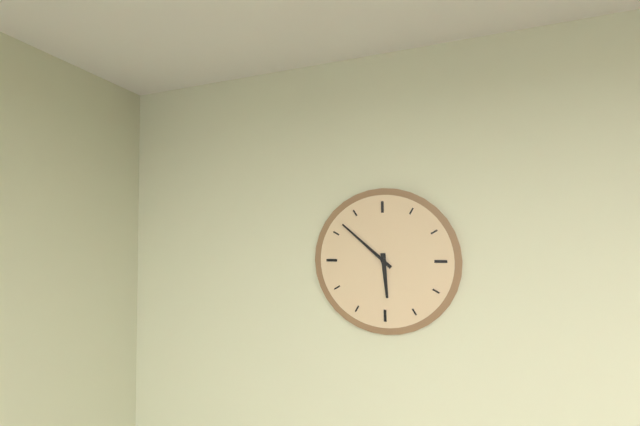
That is 5 h 52 min
